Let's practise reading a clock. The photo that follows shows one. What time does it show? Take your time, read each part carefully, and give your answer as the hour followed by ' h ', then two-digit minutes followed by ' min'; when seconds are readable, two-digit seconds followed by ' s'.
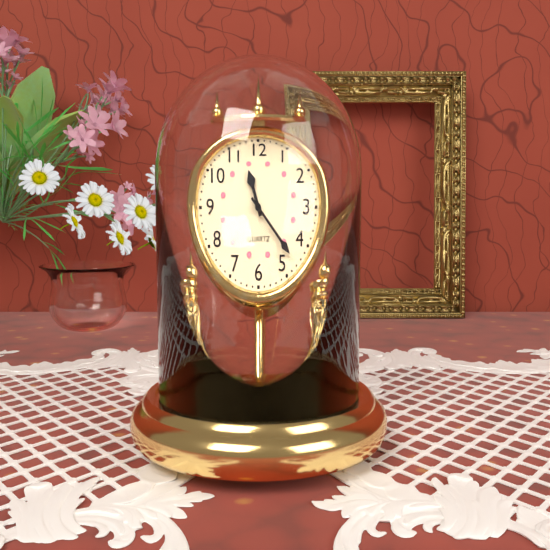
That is 11 h 23 min
